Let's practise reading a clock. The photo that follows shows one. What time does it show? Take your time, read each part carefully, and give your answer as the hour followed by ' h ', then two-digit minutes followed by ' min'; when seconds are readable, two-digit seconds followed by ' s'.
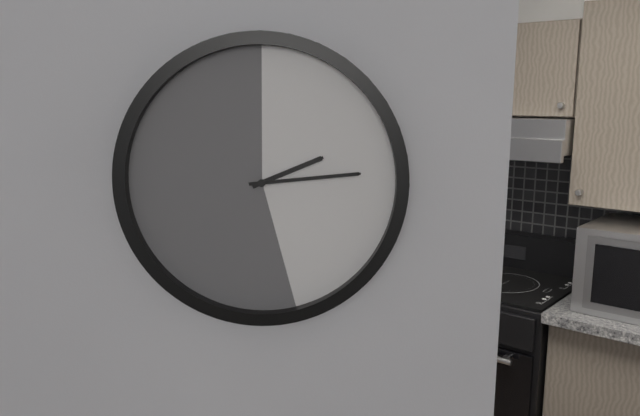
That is 2 h 14 min
